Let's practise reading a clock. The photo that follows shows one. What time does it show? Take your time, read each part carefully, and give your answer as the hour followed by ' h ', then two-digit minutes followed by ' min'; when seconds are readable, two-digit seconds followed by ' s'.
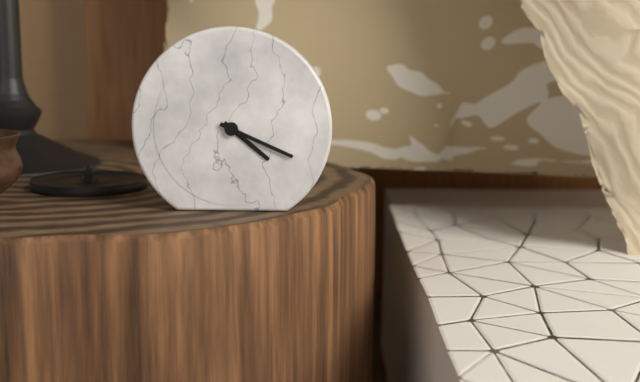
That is 4 h 19 min
